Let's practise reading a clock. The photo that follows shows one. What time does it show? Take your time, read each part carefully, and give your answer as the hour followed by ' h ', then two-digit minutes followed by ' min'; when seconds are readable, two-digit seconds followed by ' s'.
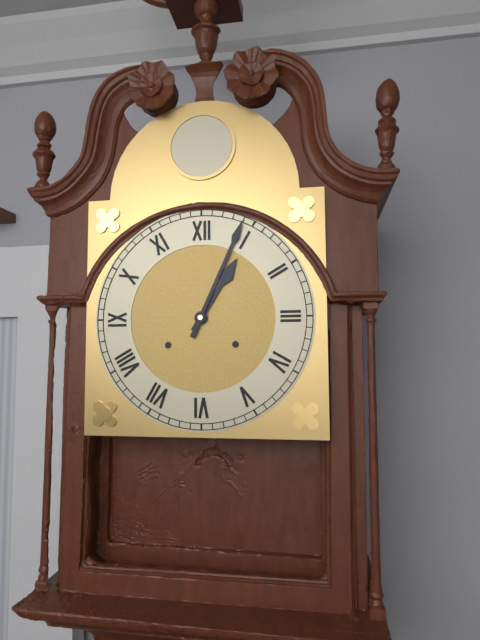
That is 1 h 04 min
